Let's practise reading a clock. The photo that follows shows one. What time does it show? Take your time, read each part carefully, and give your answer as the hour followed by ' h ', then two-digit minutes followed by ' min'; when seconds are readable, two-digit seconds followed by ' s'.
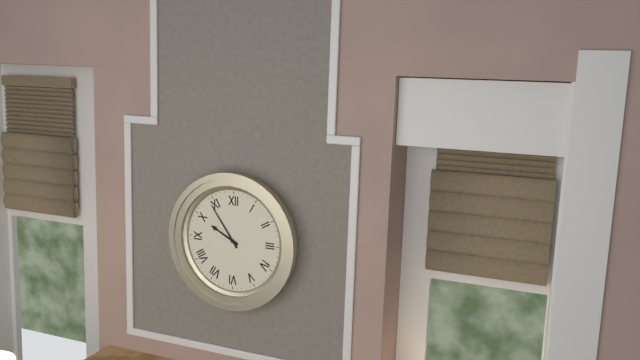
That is 9 h 54 min
